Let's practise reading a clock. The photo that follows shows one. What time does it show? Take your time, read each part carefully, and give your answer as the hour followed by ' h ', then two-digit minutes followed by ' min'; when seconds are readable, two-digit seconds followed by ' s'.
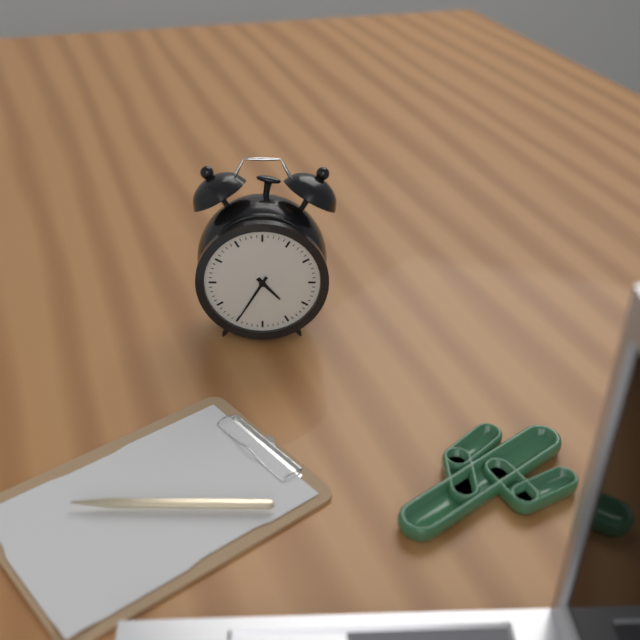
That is 4 h 35 min
